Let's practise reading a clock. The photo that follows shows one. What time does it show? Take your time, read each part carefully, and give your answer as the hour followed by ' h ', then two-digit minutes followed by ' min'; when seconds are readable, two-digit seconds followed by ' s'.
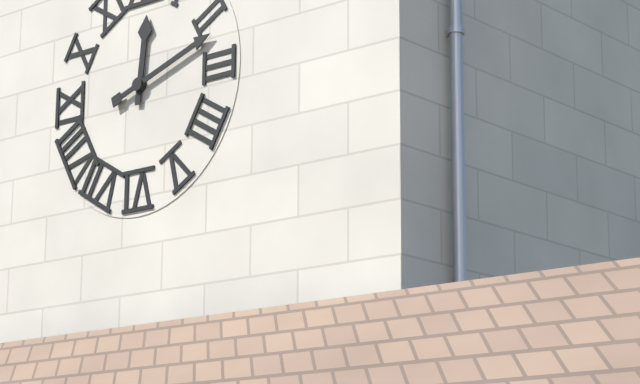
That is 12 h 12 min
